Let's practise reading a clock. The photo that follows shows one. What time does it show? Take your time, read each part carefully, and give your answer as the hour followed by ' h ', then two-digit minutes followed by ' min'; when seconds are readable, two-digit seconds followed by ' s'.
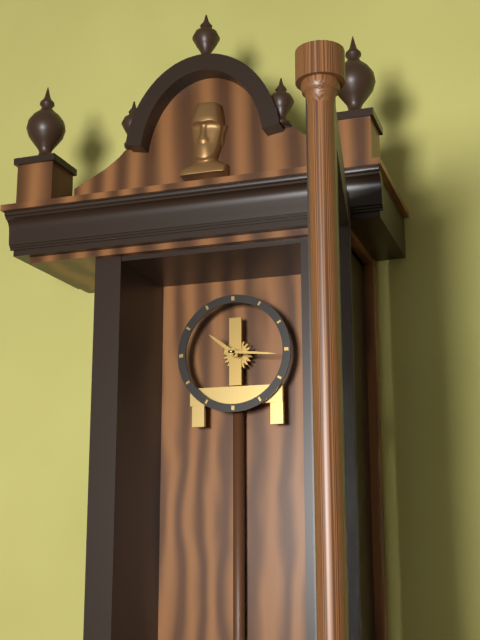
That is 10 h 16 min
